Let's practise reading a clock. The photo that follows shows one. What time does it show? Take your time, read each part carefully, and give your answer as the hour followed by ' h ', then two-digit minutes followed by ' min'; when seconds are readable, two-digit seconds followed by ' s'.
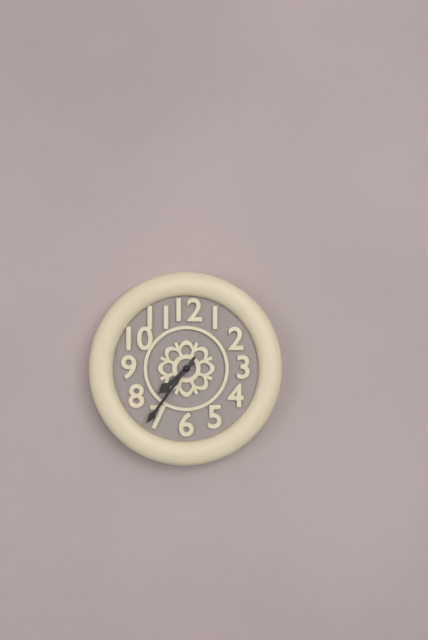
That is 7 h 36 min
